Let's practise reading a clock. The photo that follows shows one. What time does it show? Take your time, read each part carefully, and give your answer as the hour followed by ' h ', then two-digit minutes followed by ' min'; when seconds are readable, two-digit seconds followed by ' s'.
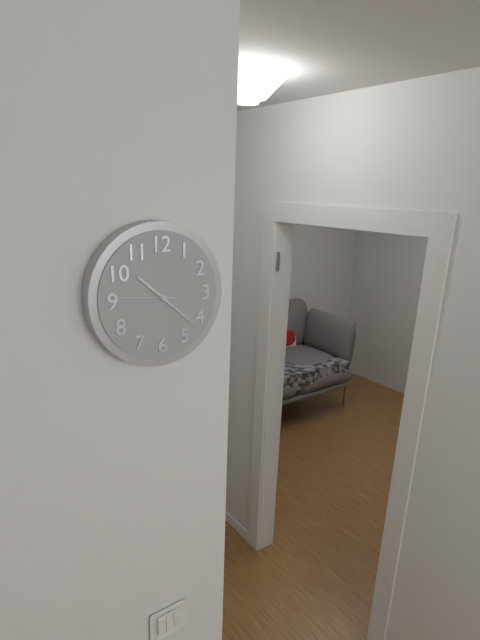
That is 10 h 22 min 46 s
